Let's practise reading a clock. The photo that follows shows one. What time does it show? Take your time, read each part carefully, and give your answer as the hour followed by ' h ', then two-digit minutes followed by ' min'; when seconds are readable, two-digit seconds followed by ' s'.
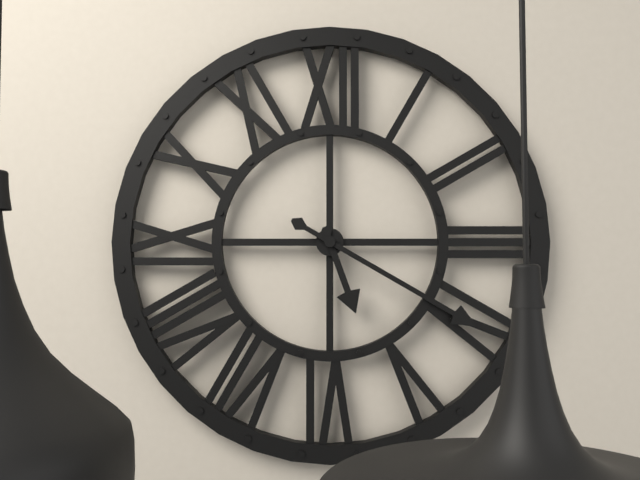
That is 5 h 20 min
